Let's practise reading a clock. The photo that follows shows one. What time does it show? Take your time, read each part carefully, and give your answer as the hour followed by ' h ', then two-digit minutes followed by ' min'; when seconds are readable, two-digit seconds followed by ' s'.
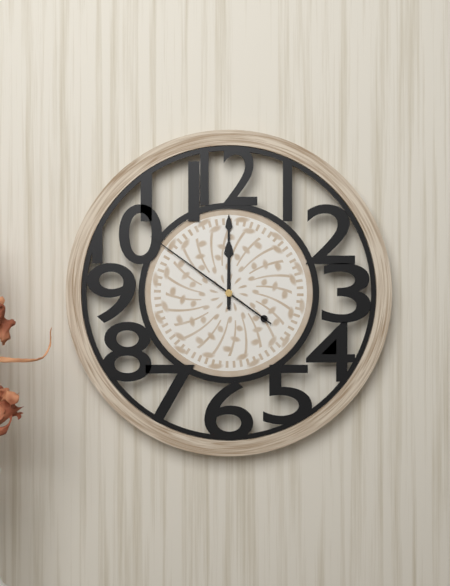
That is 12 h 00 min 51 s
